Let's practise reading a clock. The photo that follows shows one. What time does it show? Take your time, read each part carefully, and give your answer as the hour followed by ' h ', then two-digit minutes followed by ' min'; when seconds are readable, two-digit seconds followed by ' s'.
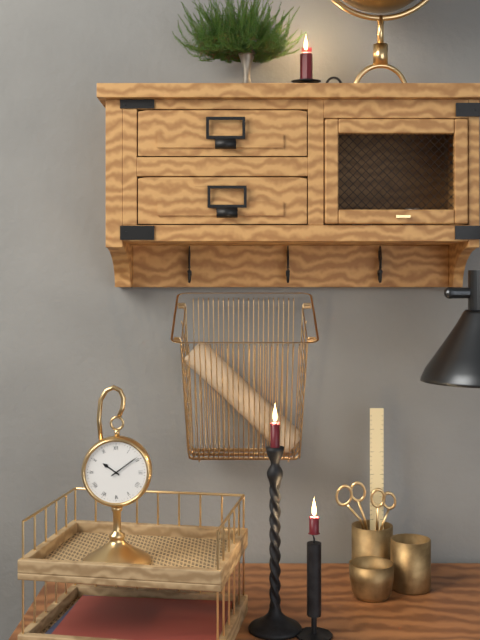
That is 10 h 09 min
